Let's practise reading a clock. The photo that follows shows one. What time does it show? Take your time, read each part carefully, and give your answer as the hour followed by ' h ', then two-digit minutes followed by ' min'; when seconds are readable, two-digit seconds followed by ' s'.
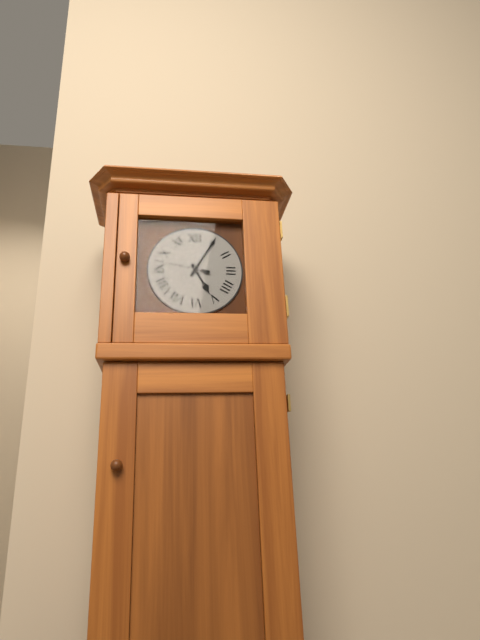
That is 5 h 05 min 47 s
